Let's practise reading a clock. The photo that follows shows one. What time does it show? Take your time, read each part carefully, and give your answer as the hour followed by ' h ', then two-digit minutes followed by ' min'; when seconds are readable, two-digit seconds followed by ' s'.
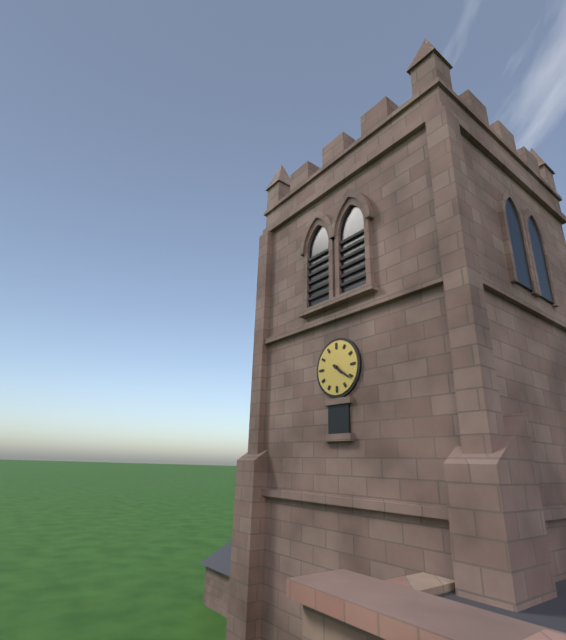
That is 4 h 21 min
